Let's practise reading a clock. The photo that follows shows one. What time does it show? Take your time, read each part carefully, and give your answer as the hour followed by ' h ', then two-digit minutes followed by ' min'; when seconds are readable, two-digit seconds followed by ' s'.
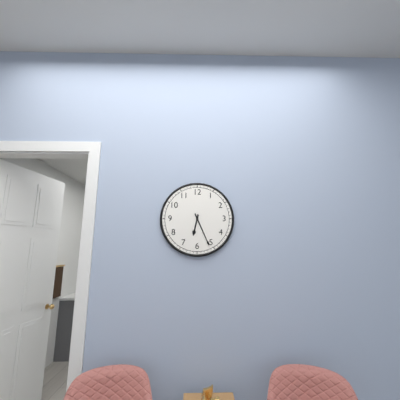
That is 6 h 26 min
